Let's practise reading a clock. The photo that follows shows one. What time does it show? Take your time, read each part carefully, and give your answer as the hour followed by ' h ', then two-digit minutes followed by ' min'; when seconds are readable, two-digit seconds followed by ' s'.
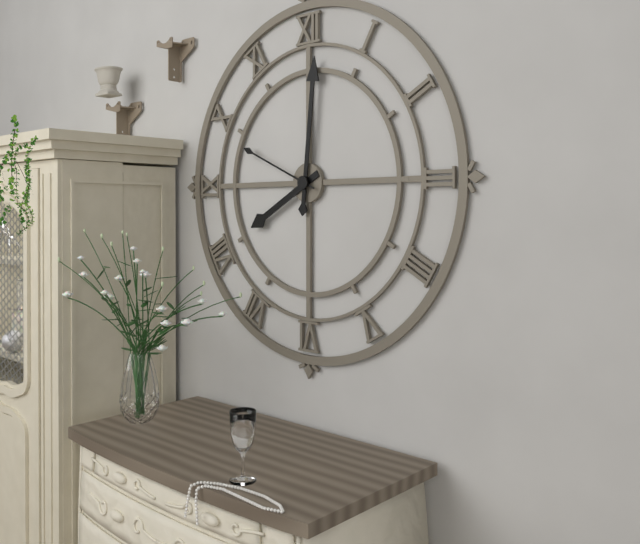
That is 8 h 01 min 49 s
